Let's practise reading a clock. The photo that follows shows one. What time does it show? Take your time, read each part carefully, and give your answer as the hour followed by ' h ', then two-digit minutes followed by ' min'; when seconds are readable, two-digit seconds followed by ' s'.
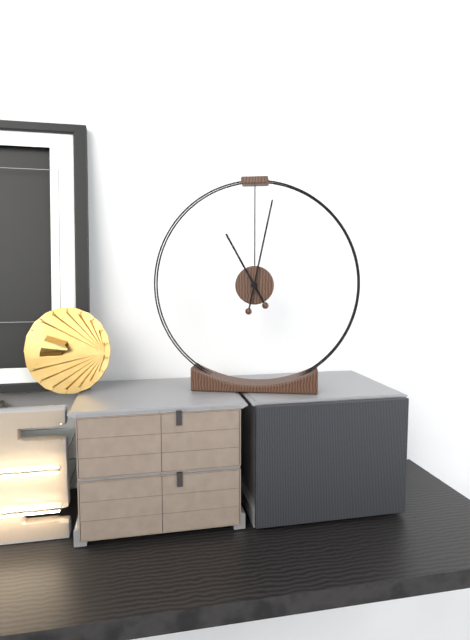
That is 11 h 02 min
